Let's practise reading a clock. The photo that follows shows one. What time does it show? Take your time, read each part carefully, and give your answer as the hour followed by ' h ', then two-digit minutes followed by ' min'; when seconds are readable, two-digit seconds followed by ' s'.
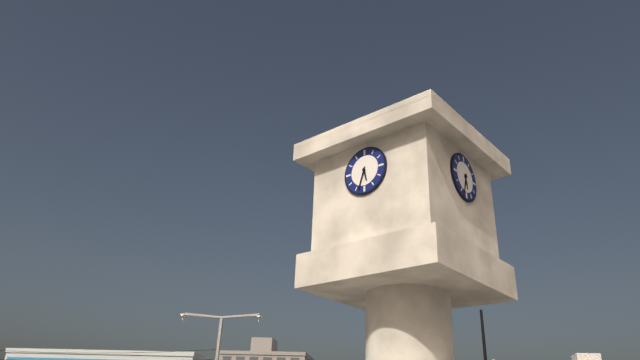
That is 5 h 33 min
